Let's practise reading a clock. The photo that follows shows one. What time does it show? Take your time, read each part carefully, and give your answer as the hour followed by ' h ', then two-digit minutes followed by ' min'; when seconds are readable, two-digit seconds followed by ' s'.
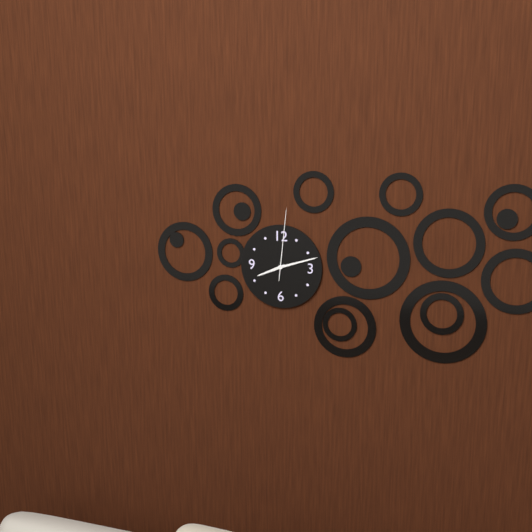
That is 8 h 12 min 01 s
